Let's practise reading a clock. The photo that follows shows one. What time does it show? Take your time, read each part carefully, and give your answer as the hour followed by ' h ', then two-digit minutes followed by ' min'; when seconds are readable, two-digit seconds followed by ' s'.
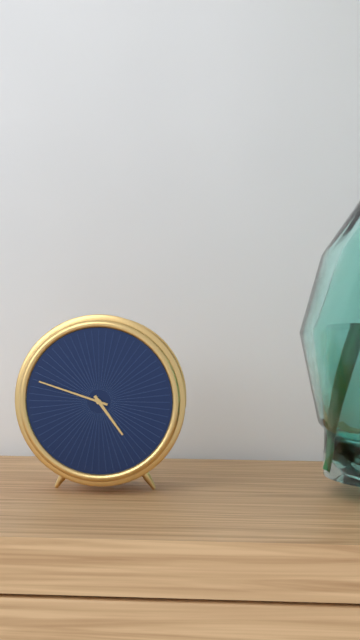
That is 4 h 48 min
